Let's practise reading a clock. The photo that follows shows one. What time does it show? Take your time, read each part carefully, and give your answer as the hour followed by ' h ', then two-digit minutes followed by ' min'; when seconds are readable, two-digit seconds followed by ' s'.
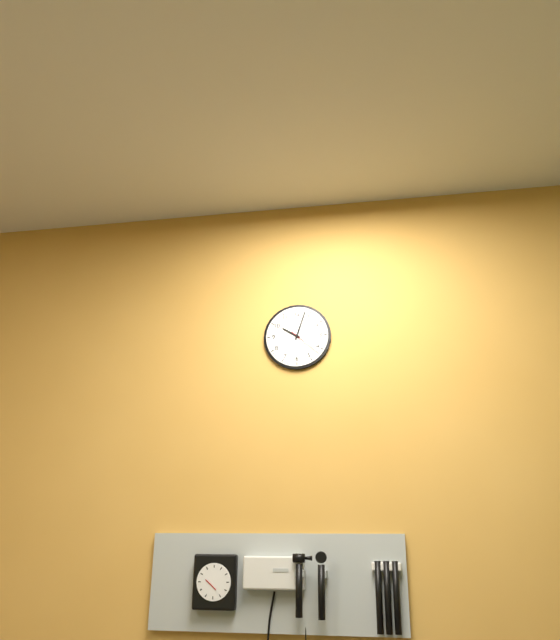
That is 10 h 03 min
